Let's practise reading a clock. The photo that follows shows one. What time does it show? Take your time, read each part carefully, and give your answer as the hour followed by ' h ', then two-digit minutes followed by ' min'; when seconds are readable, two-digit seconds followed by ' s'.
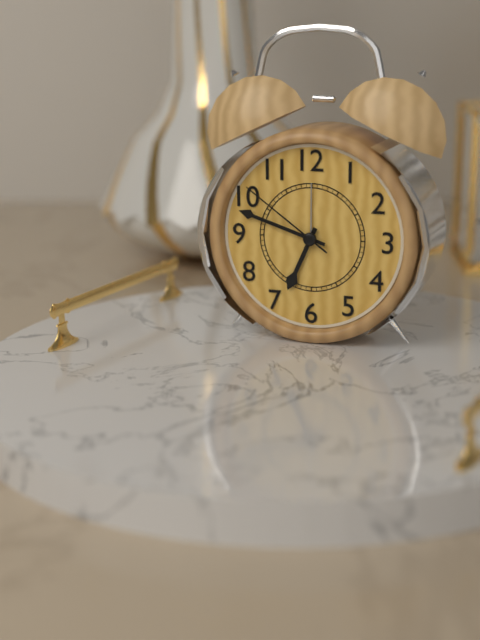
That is 6 h 48 min 51 s
